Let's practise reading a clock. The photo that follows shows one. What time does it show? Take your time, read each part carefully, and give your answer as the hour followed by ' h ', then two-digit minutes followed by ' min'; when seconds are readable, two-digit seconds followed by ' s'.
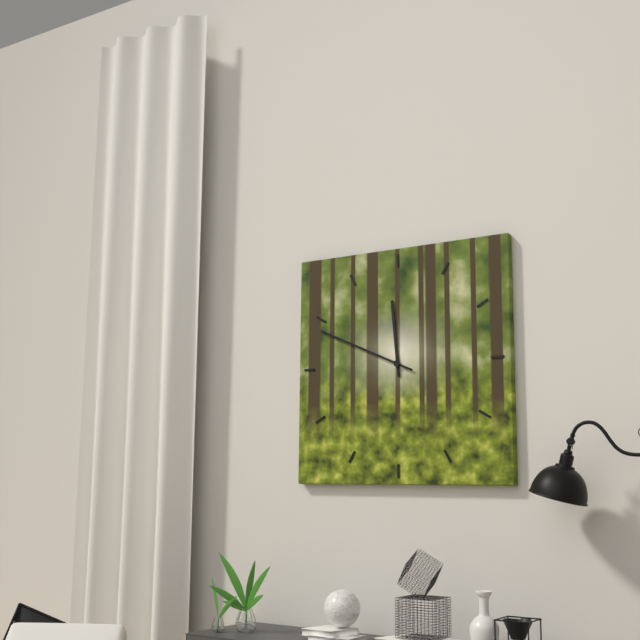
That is 11 h 49 min
